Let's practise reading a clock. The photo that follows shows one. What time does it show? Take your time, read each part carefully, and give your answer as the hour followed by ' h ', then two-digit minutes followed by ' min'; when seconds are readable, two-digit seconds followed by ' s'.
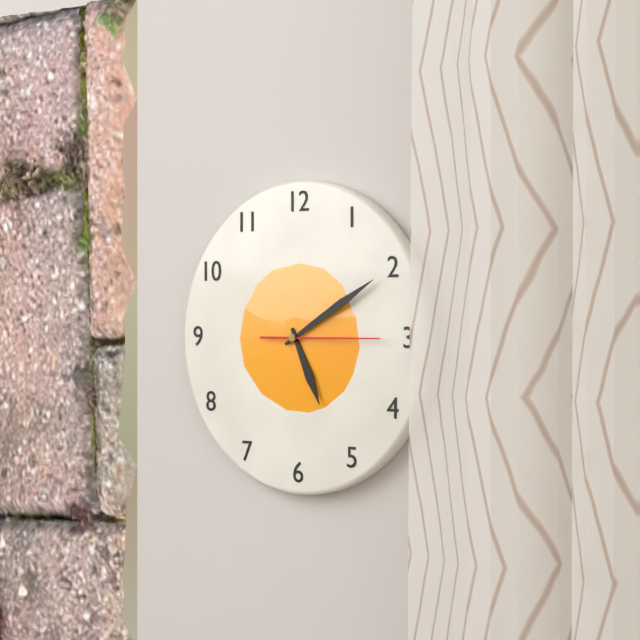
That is 5 h 10 min 15 s
